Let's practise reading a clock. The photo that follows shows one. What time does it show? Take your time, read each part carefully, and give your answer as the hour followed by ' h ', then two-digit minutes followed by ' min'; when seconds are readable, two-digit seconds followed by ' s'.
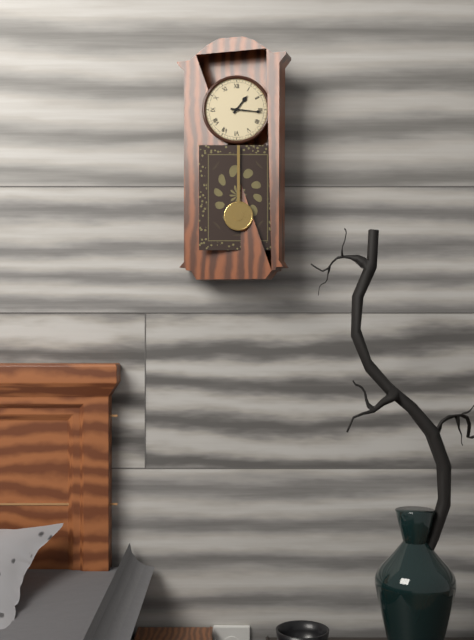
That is 1 h 16 min
